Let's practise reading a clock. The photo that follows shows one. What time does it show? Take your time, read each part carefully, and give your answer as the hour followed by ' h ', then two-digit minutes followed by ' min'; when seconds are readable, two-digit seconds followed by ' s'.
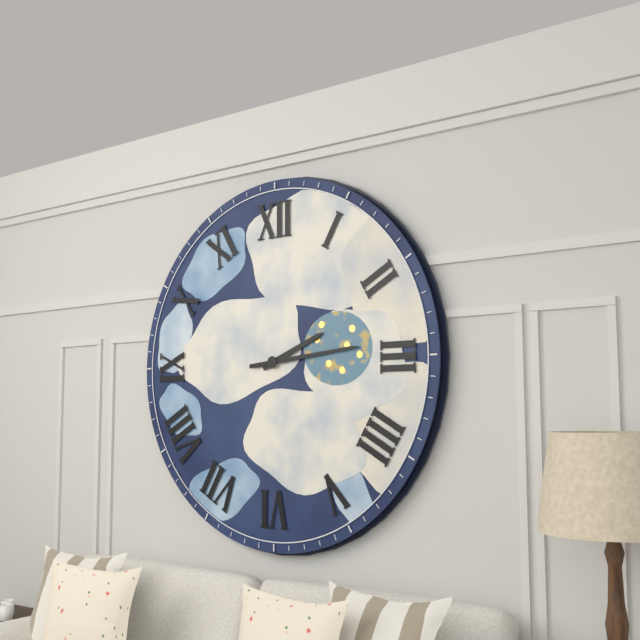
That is 2 h 14 min
